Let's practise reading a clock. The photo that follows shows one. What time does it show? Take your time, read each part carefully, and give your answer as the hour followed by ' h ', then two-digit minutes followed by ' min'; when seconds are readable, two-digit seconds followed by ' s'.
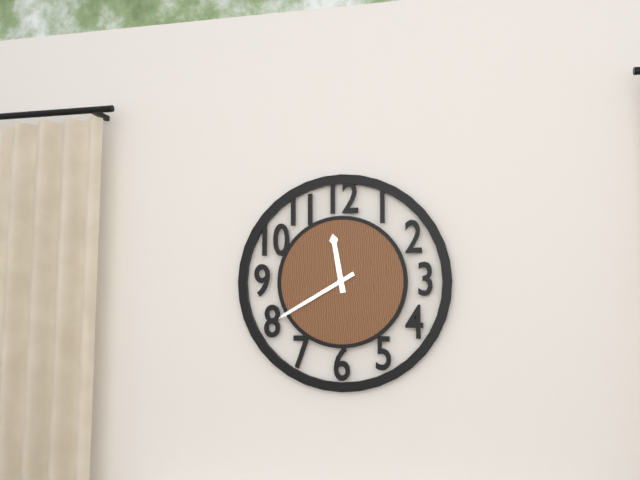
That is 11 h 40 min
